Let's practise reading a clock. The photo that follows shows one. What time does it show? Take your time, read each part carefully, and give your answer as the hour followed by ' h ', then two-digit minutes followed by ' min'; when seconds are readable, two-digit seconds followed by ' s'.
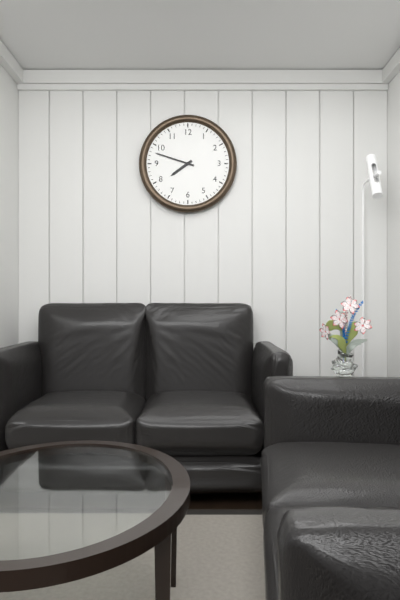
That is 7 h 48 min
